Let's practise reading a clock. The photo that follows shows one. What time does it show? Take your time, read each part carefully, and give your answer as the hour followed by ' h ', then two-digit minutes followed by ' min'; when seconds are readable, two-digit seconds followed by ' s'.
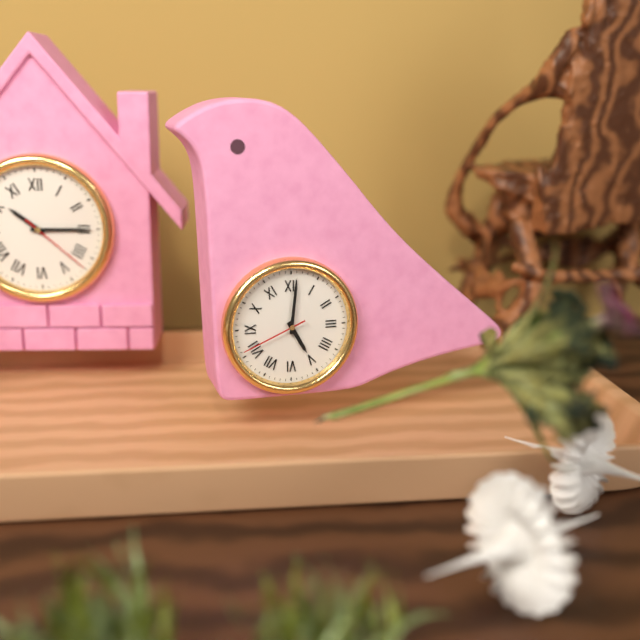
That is 5 h 01 min 41 s
